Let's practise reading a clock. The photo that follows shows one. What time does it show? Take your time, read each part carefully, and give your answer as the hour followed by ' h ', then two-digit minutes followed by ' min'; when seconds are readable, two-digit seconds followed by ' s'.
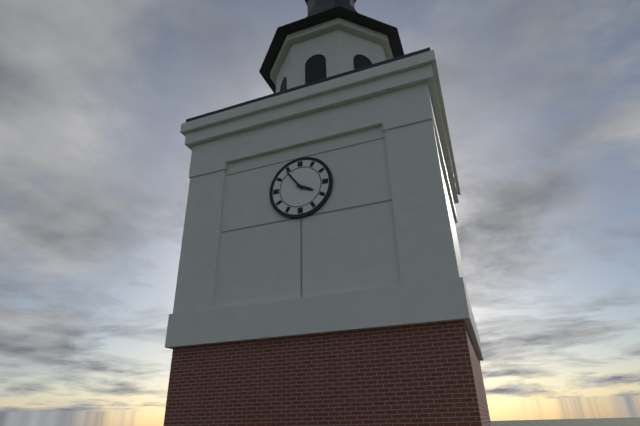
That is 3 h 54 min
